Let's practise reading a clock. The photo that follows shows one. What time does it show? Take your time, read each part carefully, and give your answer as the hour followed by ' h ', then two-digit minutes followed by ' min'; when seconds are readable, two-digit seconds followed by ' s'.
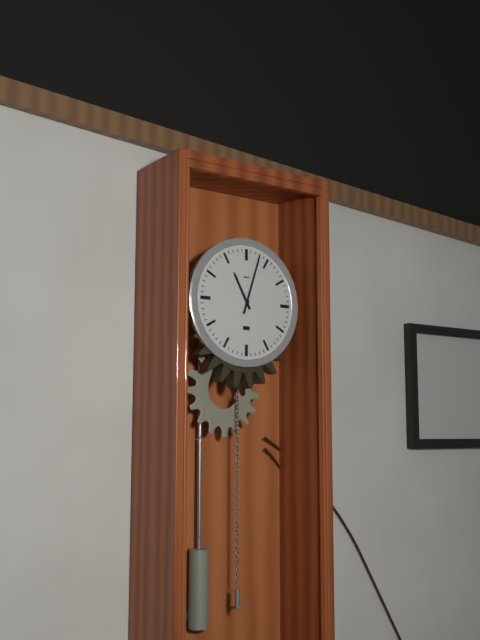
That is 11 h 03 min
